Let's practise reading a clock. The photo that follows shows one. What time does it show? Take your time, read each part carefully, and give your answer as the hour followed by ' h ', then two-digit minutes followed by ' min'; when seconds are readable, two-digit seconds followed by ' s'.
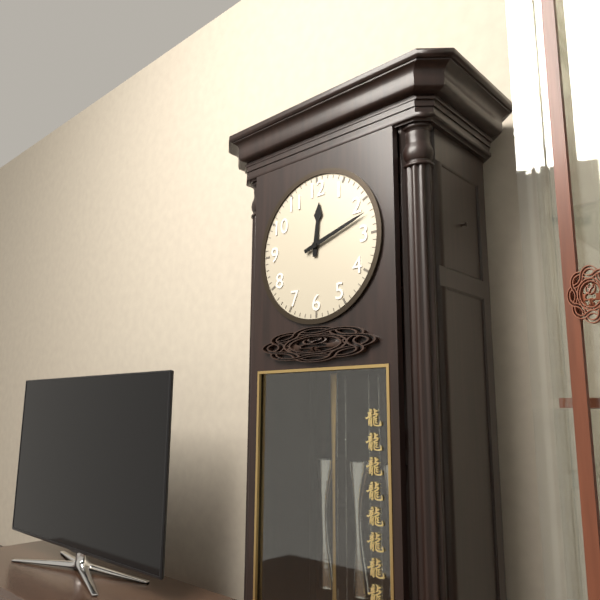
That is 12 h 12 min
